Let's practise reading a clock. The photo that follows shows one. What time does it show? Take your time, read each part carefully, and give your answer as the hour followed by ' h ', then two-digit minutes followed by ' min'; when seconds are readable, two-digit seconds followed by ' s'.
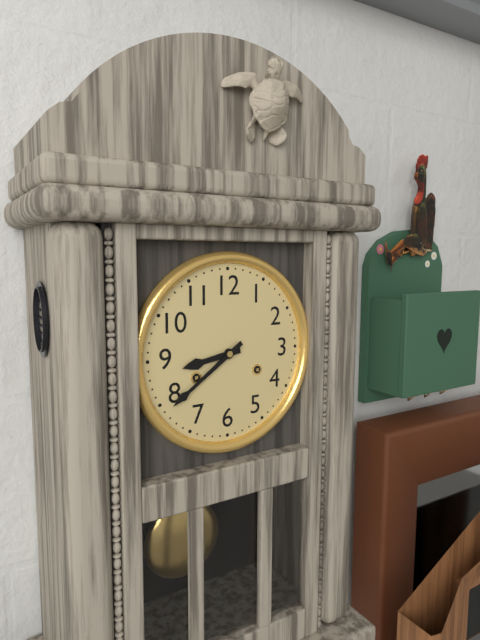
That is 8 h 39 min
